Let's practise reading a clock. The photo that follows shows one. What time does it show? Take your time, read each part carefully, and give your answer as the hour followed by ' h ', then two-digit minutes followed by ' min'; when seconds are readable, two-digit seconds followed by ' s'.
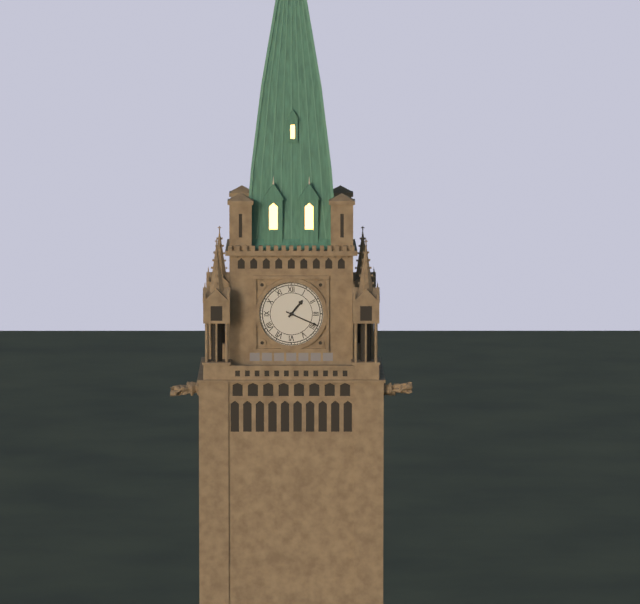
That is 1 h 19 min
